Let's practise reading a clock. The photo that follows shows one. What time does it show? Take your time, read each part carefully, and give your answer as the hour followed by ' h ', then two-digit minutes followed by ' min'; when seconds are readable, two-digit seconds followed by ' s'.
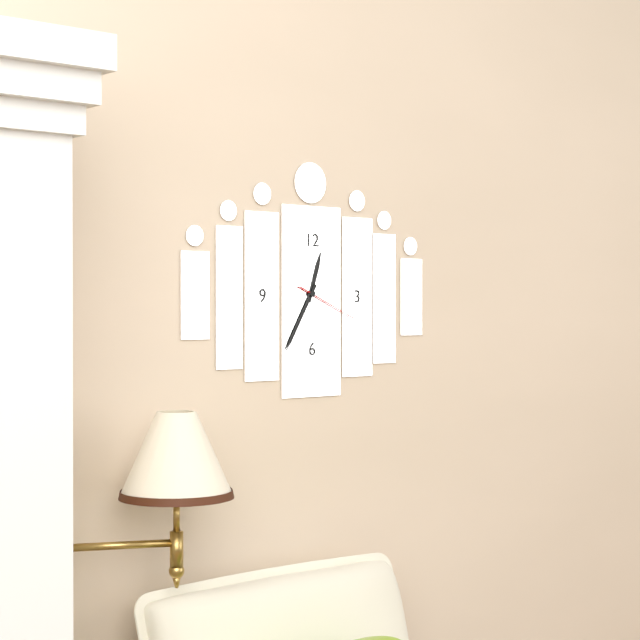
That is 12 h 35 min 19 s
